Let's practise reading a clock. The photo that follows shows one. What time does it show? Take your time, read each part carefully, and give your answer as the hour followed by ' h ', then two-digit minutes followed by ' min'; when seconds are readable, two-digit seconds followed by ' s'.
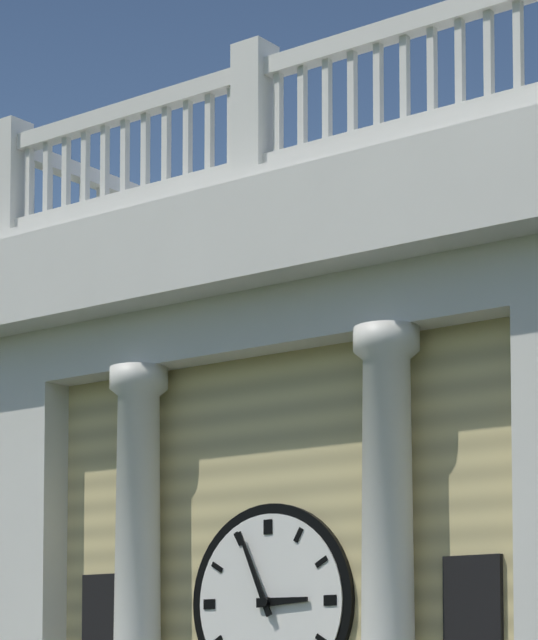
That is 2 h 56 min
